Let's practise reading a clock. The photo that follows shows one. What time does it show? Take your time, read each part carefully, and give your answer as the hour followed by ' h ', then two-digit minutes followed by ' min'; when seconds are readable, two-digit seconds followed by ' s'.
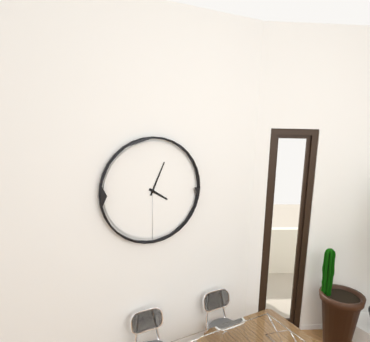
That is 4 h 04 min
